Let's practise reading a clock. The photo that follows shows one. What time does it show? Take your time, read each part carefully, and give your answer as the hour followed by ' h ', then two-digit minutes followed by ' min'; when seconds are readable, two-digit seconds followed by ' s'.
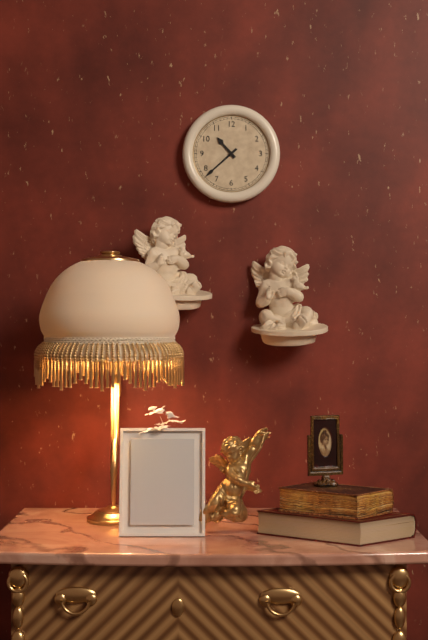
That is 10 h 38 min
